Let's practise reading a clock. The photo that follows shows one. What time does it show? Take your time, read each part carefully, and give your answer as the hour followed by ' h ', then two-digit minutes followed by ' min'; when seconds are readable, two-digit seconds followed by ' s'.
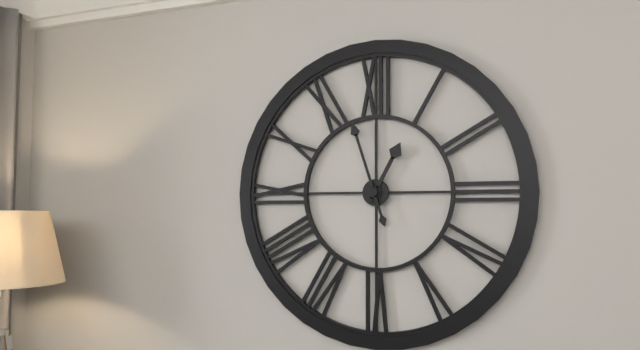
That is 12 h 57 min
